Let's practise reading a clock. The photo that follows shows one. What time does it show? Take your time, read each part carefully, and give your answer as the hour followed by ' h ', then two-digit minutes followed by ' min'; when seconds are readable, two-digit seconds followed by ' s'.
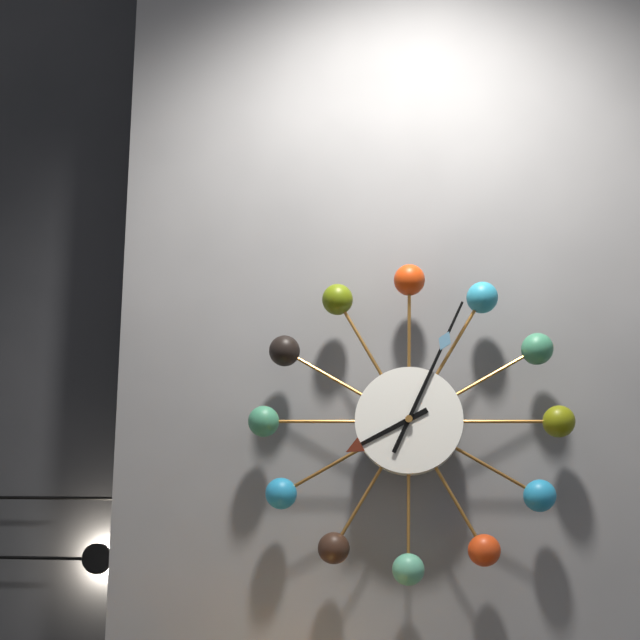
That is 8 h 04 min
